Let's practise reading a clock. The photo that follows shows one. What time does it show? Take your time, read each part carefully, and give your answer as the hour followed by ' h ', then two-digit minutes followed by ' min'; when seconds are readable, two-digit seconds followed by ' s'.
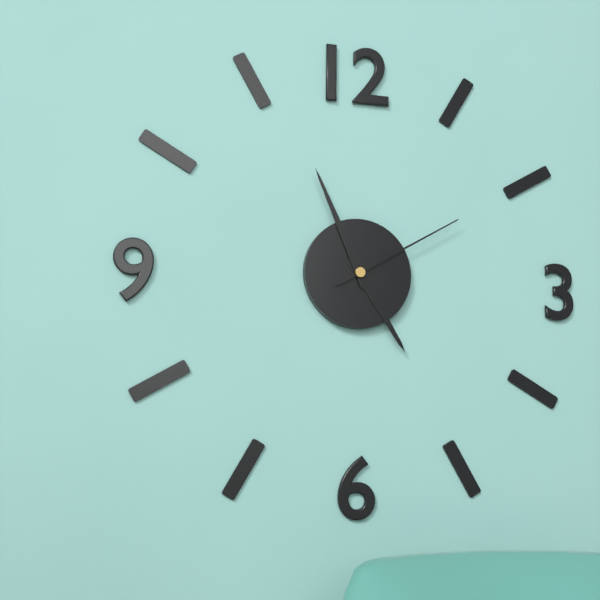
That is 4 h 56 min 10 s
